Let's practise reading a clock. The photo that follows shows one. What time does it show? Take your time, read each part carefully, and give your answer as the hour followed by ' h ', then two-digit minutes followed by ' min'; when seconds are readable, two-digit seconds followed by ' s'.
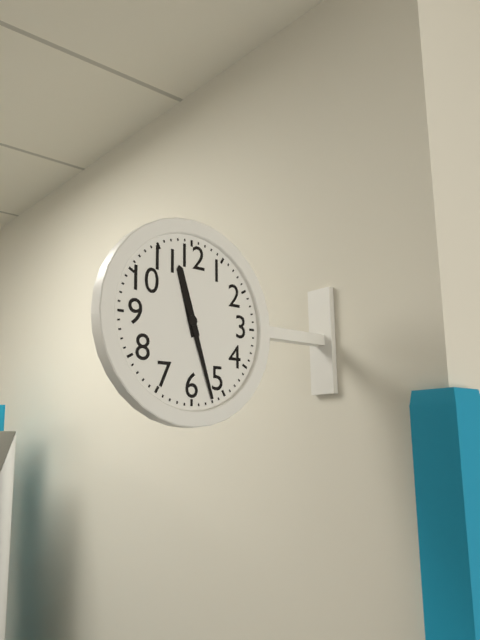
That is 11 h 27 min
